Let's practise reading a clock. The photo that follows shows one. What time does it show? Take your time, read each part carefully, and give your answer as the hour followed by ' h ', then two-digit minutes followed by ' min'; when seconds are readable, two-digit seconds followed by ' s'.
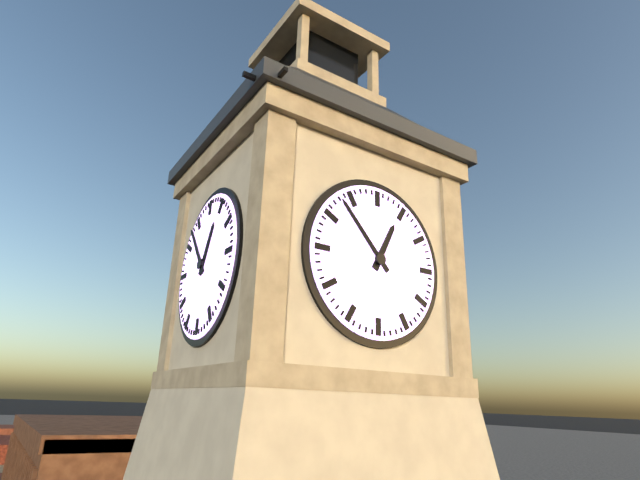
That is 12 h 53 min
